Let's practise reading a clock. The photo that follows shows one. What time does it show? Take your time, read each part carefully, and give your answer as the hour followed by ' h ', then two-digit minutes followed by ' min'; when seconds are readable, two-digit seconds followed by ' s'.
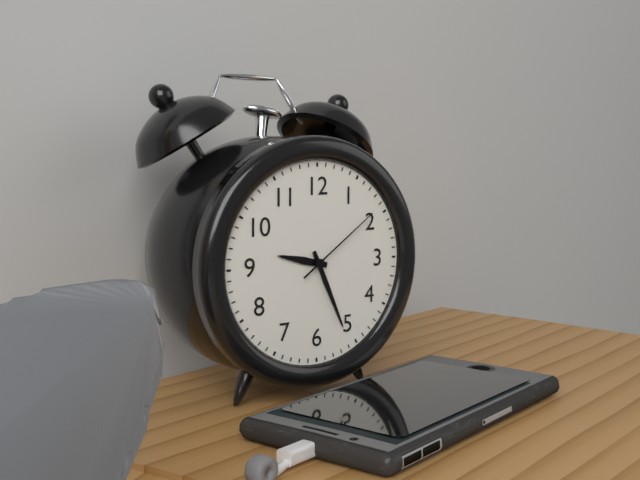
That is 9 h 26 min 09 s
